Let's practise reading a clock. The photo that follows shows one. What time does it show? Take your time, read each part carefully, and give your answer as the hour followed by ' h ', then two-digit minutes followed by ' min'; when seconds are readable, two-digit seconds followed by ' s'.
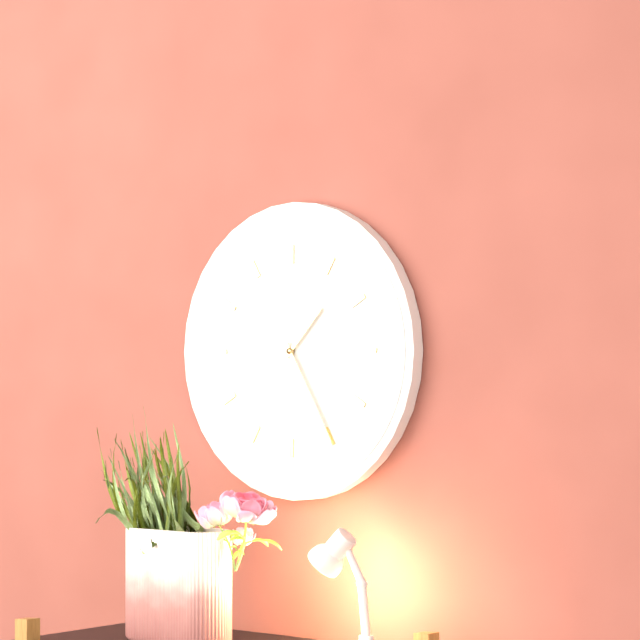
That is 1 h 25 min
